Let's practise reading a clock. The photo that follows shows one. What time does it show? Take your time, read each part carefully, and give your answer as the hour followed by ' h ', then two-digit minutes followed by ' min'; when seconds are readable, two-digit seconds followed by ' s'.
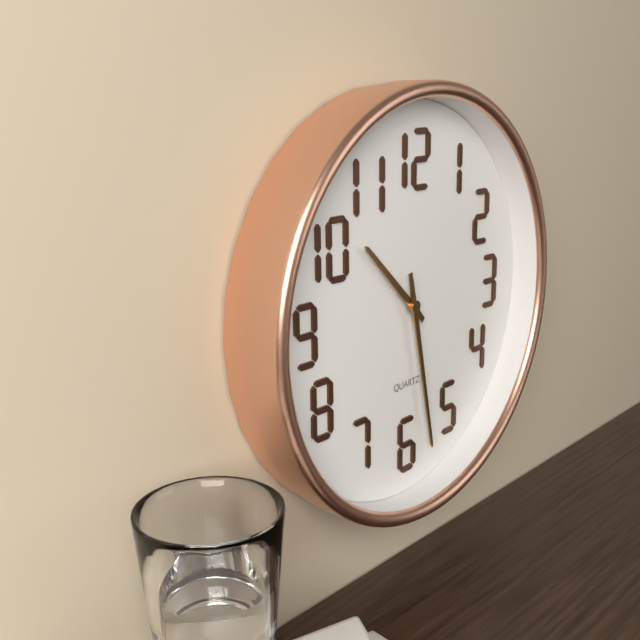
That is 10 h 28 min
